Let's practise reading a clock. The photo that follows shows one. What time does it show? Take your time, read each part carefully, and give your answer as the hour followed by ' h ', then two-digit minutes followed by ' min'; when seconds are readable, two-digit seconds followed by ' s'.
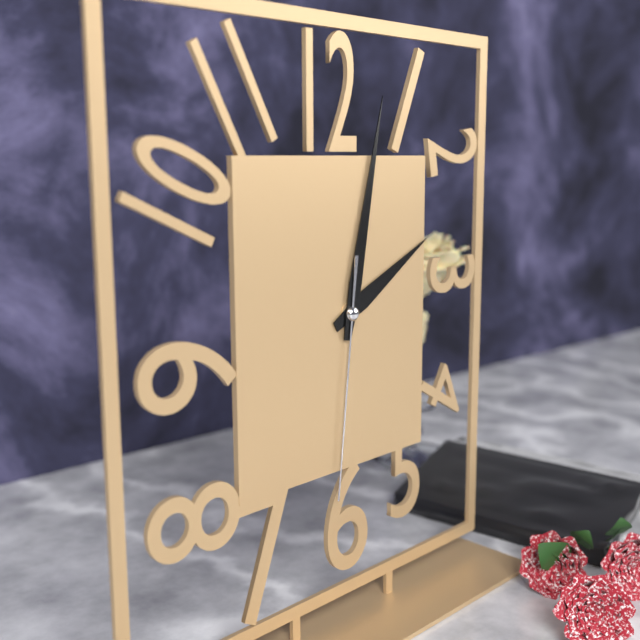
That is 2 h 02 min 31 s
